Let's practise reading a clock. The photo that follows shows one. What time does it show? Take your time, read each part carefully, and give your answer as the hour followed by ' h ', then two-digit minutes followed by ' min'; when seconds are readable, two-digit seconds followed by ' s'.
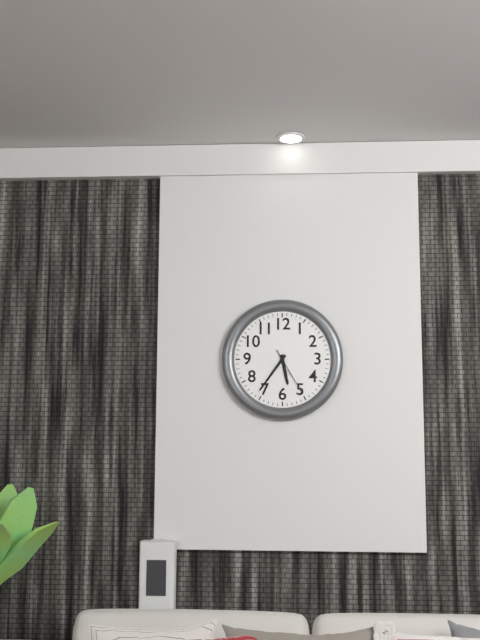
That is 5 h 36 min 25 s
